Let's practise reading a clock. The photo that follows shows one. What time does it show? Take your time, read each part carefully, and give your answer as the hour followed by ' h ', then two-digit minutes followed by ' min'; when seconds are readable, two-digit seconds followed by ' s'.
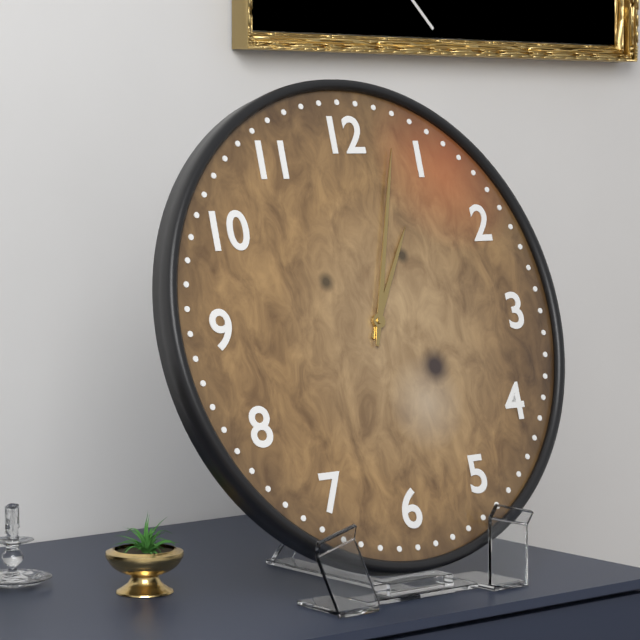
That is 1 h 03 min
